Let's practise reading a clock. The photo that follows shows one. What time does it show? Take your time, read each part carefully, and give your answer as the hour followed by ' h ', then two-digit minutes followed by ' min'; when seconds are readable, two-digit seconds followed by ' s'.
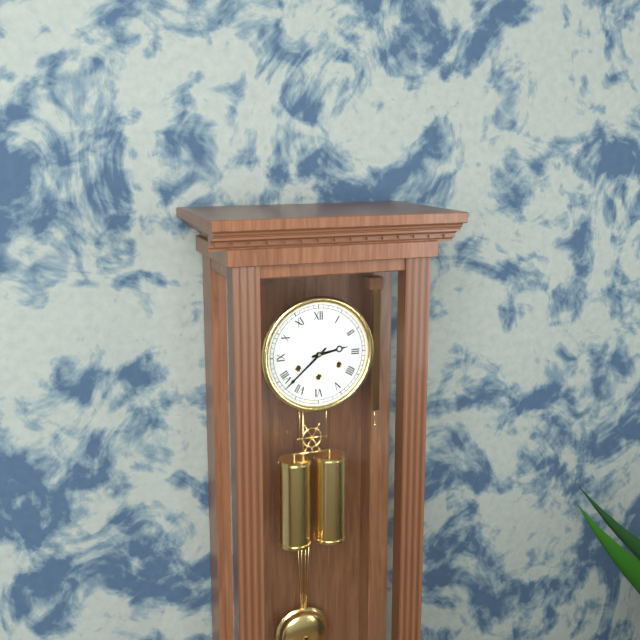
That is 2 h 38 min
